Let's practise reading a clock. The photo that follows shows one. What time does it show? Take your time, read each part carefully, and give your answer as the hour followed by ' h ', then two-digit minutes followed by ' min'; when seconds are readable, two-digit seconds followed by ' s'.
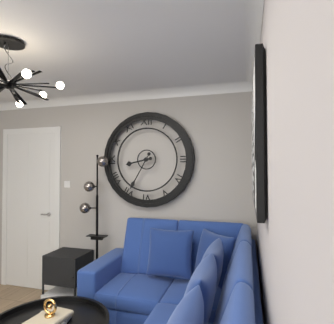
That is 8 h 35 min
